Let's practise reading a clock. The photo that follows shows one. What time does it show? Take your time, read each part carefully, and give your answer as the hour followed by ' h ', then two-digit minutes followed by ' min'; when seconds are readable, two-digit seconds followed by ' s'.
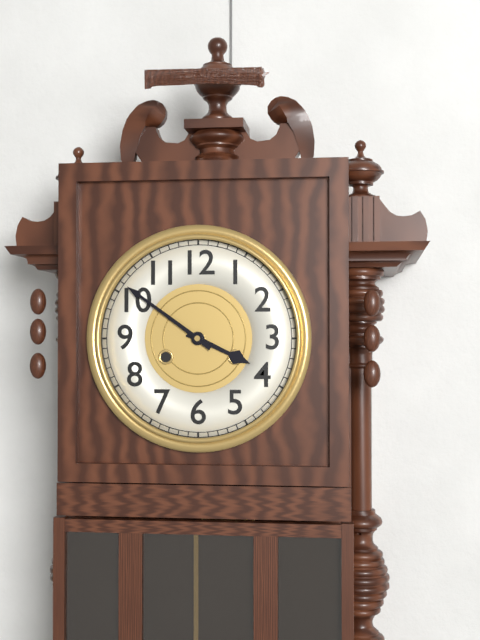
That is 3 h 51 min
